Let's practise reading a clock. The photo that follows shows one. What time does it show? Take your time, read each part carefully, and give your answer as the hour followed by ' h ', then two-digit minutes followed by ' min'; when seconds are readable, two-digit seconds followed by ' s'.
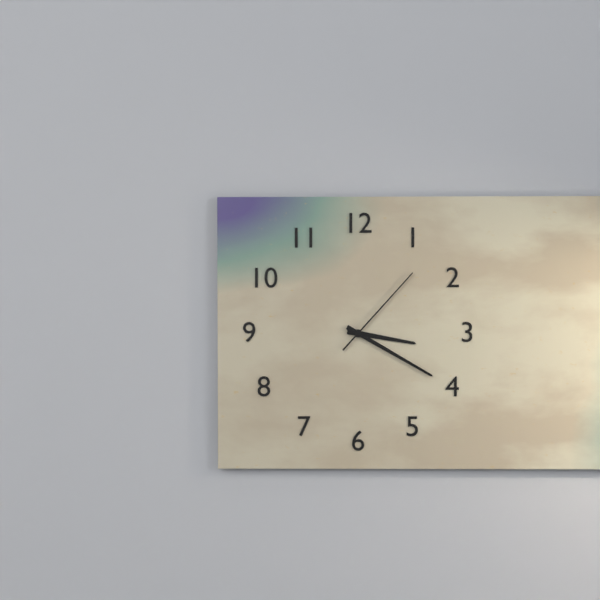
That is 3 h 20 min 07 s
